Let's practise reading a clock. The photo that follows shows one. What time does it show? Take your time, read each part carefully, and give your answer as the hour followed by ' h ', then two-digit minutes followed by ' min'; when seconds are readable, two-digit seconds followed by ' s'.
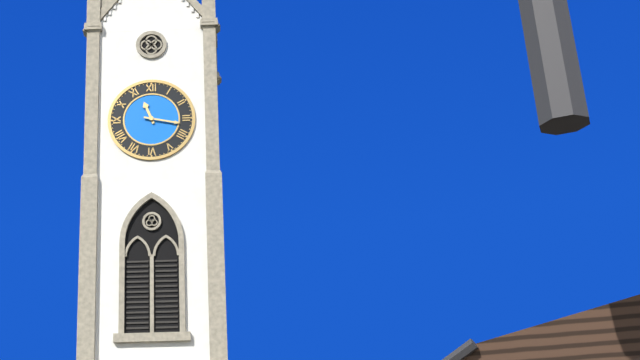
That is 11 h 17 min
